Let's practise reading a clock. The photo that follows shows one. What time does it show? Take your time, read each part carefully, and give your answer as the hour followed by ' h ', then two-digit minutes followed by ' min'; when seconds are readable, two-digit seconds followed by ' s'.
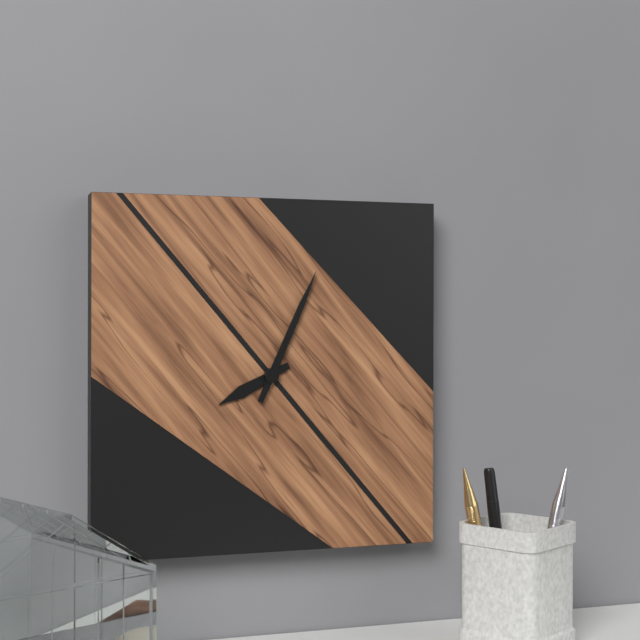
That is 8 h 04 min
